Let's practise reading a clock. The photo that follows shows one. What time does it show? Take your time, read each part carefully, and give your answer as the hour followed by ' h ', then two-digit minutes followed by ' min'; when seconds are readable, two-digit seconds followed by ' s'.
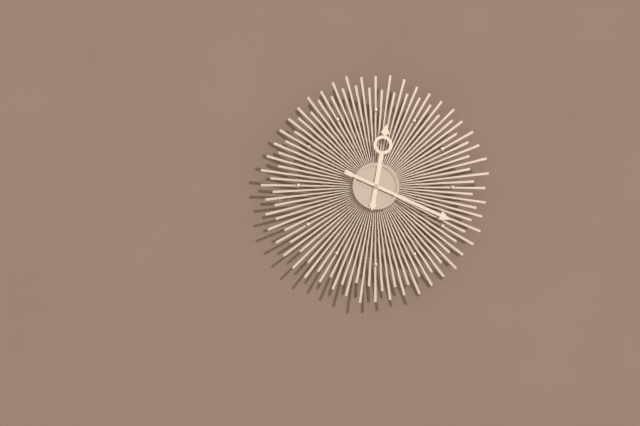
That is 12 h 19 min
